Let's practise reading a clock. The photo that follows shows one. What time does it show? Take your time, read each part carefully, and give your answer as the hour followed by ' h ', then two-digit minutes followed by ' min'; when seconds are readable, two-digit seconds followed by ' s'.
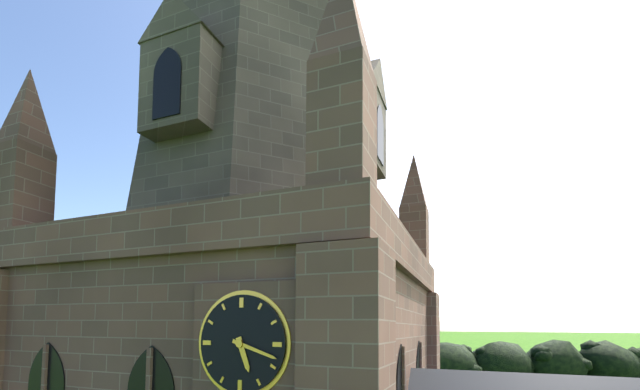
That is 5 h 18 min
